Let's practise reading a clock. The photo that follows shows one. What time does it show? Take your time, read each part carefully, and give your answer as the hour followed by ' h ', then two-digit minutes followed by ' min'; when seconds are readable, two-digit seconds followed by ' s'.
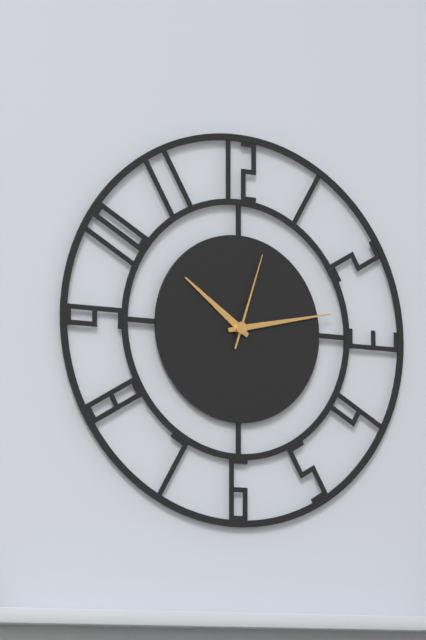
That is 10 h 13 min 03 s
